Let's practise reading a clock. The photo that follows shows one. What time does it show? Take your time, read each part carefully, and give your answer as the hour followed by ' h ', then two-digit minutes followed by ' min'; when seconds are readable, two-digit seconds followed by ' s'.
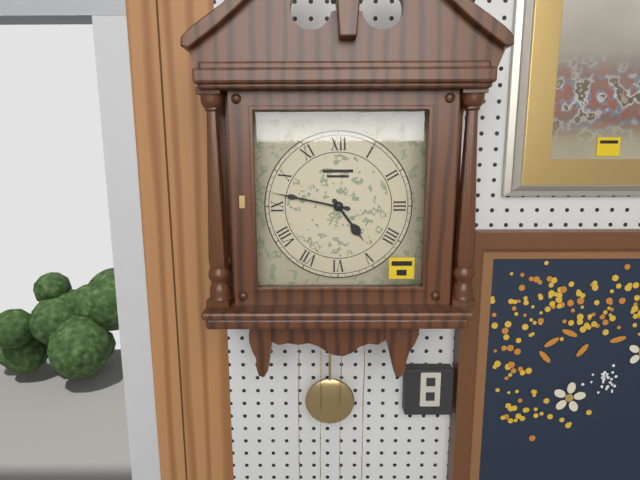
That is 4 h 47 min
